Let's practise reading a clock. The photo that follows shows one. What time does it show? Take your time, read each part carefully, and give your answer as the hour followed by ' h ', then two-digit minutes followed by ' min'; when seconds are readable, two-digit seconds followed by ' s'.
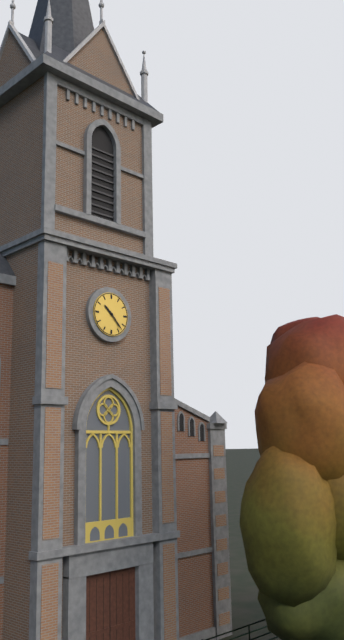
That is 10 h 23 min
